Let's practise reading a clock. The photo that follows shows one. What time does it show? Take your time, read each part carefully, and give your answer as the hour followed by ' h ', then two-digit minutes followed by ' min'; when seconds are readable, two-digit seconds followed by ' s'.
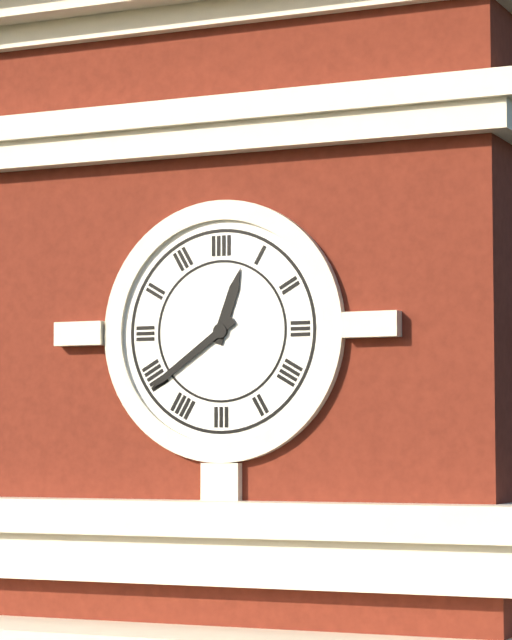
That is 12 h 39 min
